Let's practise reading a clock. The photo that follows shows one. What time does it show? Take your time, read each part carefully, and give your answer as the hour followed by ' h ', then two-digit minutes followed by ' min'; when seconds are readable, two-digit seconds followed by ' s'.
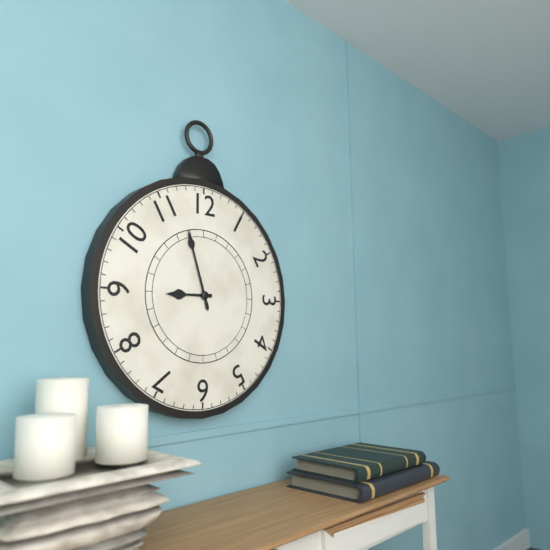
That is 8 h 57 min
